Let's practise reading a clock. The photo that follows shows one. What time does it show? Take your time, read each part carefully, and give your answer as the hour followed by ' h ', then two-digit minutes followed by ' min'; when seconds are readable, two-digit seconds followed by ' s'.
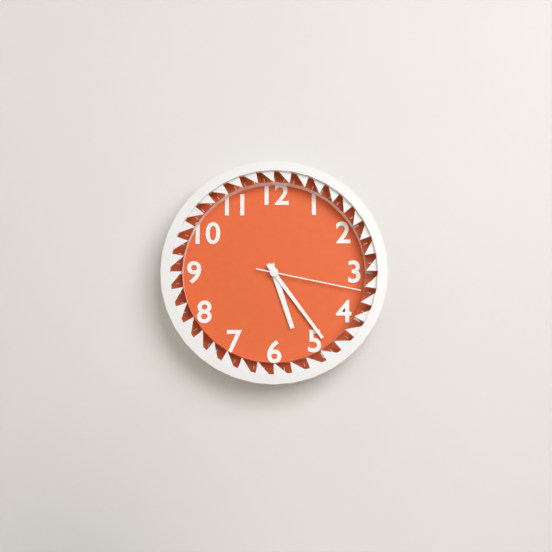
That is 5 h 24 min 17 s
